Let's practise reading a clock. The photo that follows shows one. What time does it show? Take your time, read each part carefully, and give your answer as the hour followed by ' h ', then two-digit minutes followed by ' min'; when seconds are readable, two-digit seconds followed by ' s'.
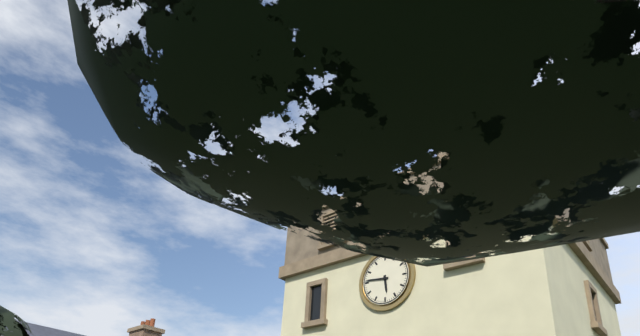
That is 5 h 46 min
